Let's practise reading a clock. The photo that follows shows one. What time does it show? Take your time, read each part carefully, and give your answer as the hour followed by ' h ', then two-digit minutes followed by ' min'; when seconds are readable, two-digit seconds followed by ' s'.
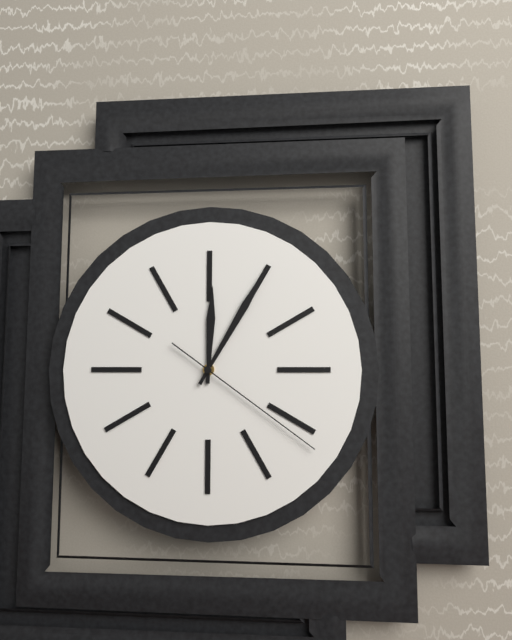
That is 12 h 05 min 21 s
